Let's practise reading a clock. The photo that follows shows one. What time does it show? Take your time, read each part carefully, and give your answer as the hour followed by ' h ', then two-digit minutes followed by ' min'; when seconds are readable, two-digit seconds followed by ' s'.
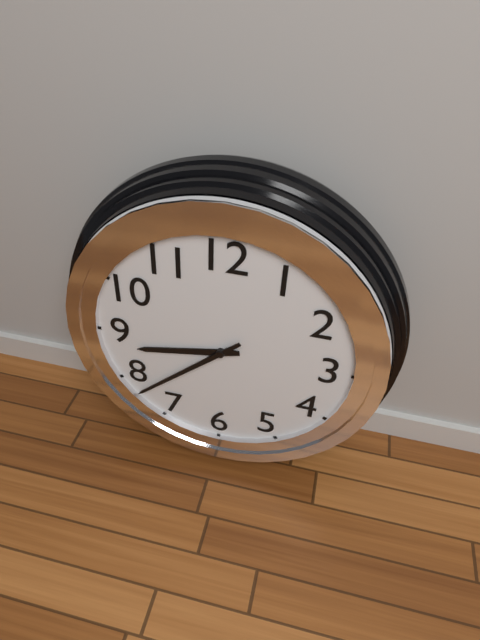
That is 8 h 38 min
